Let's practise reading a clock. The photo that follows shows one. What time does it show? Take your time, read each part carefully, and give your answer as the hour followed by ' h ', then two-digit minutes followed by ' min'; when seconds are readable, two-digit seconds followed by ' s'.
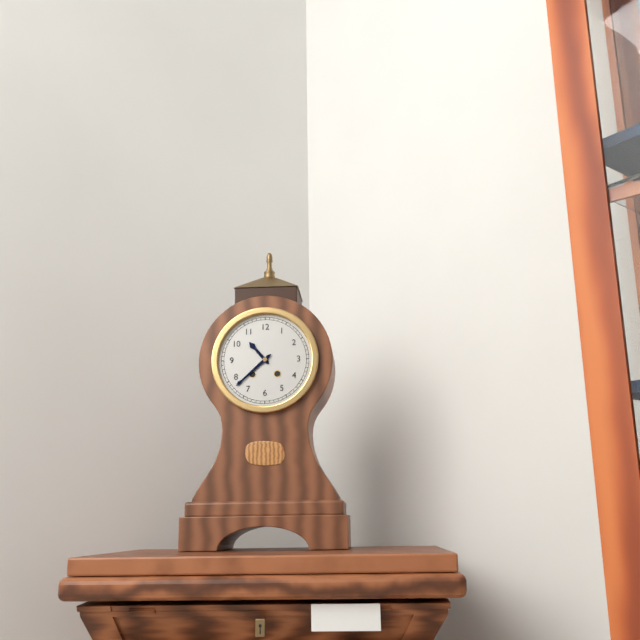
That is 10 h 38 min
